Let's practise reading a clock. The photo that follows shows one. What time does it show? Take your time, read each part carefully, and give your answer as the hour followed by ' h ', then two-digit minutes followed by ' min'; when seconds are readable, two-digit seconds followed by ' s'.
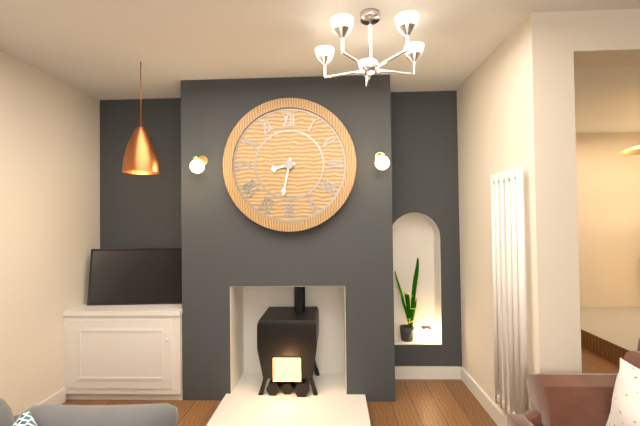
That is 8 h 32 min
